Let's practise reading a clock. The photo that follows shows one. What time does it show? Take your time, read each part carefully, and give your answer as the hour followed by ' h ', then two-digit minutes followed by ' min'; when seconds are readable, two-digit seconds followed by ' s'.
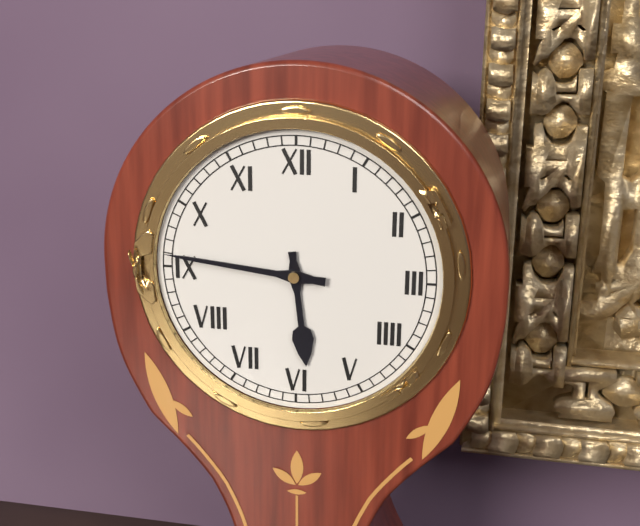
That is 5 h 46 min
